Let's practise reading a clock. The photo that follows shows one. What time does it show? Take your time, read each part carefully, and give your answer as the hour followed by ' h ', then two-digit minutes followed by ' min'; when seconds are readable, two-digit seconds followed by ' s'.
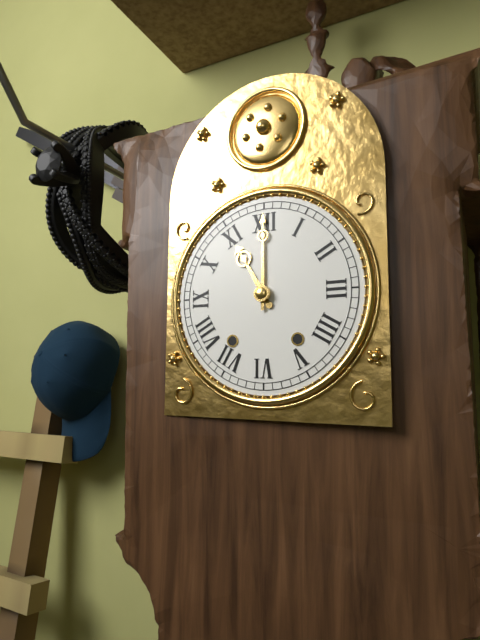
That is 11 h 00 min
